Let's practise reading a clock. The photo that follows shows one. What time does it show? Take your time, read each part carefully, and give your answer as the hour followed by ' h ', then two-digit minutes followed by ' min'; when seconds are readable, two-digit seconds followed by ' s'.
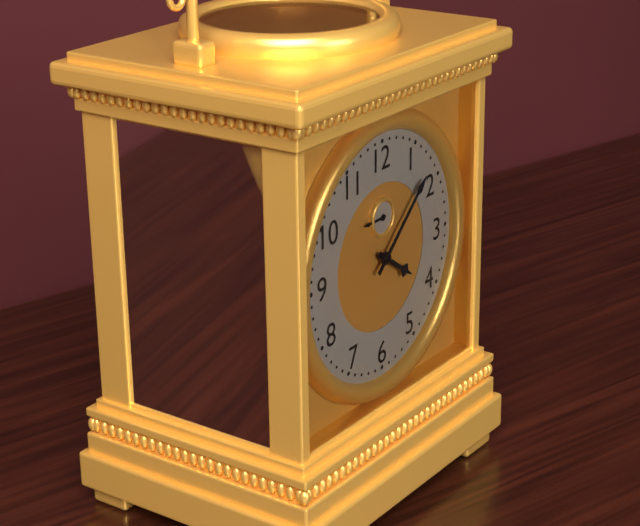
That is 4 h 08 min
